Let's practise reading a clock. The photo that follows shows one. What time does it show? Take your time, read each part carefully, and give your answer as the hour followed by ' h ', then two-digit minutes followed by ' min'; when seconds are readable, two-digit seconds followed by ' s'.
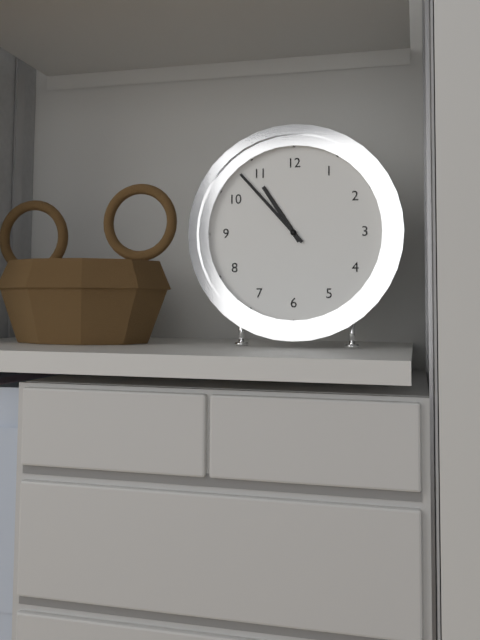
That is 10 h 53 min
